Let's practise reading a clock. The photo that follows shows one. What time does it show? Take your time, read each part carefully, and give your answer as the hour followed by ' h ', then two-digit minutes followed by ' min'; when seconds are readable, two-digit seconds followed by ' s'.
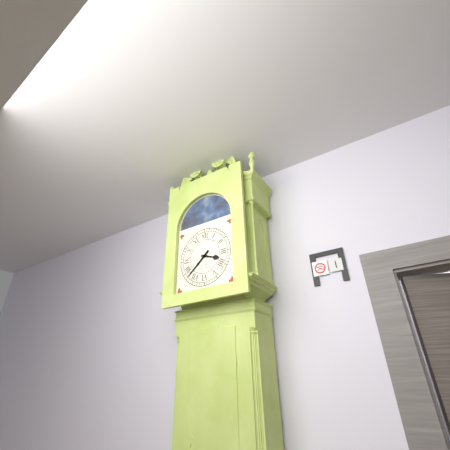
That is 3 h 38 min
